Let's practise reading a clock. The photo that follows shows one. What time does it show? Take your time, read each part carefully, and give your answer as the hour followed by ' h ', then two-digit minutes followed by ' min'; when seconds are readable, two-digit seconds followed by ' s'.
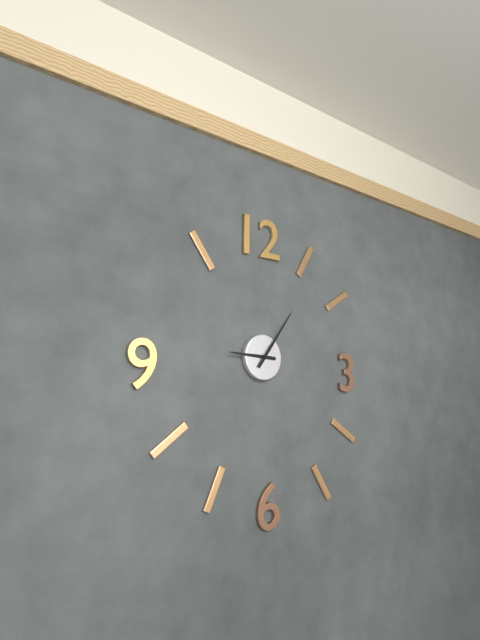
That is 9 h 06 min
